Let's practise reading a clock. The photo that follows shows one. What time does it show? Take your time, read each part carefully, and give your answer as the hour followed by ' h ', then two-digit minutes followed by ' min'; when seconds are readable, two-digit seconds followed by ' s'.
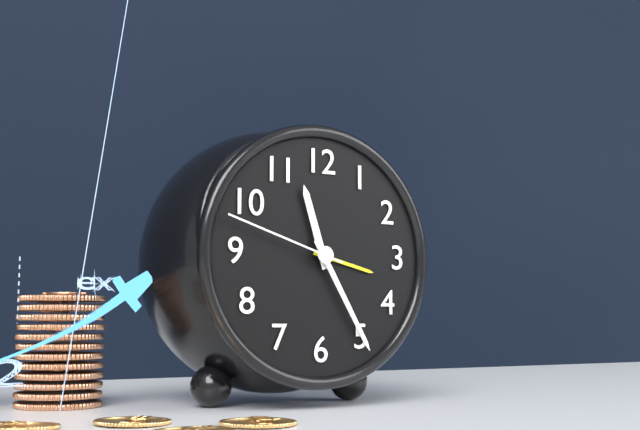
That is 11 h 25 min 48 s
